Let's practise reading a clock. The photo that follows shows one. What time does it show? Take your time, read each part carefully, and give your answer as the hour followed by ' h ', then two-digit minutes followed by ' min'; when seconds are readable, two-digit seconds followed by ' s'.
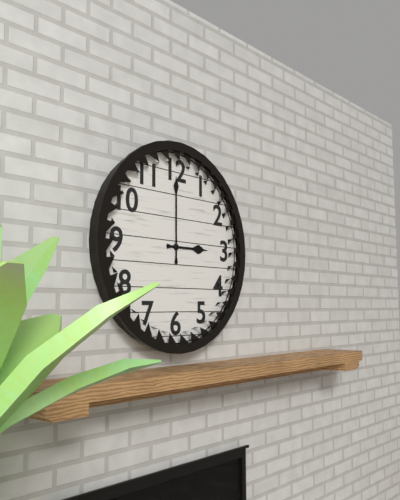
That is 3 h 00 min
